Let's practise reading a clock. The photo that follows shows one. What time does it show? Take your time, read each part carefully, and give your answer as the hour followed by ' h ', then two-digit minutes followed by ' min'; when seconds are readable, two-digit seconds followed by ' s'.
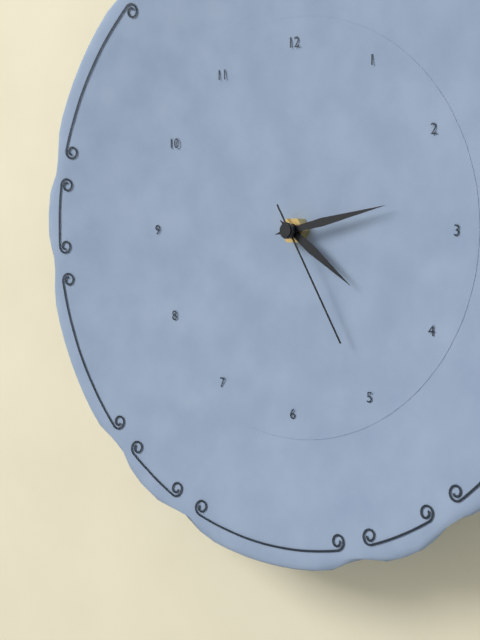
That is 4 h 13 min 25 s
